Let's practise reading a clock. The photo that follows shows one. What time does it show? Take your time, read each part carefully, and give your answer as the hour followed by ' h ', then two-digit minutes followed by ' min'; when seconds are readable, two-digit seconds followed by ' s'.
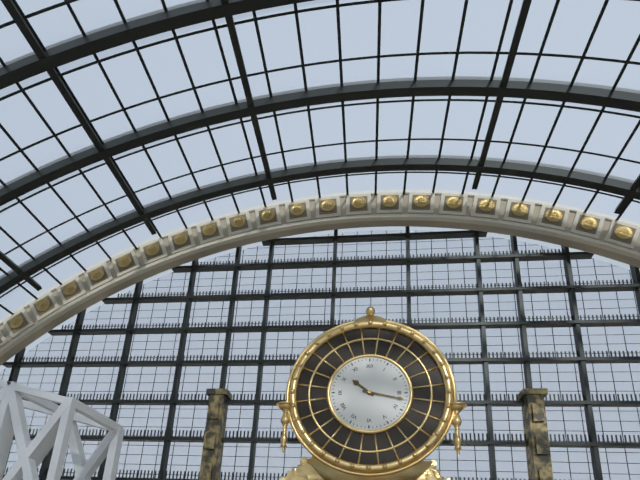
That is 10 h 17 min
